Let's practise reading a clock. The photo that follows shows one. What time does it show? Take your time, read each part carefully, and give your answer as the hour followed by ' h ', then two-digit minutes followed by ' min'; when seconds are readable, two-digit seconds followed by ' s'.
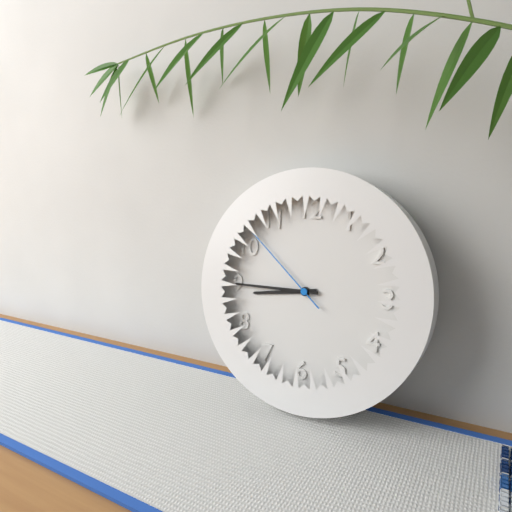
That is 8 h 45 min 52 s
